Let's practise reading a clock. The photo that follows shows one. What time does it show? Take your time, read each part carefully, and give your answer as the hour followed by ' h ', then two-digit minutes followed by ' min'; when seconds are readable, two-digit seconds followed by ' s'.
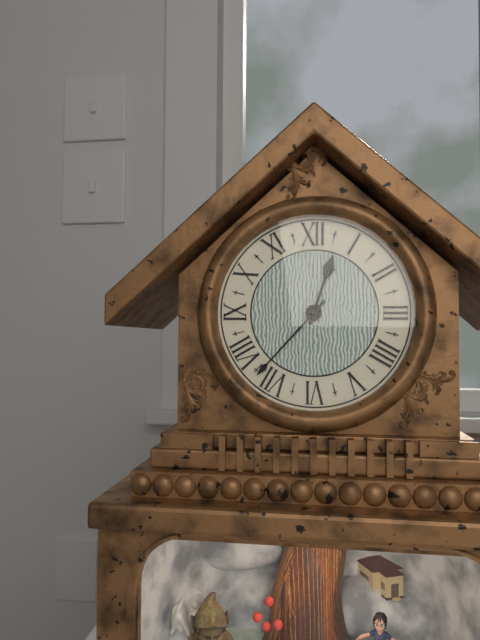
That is 12 h 37 min
